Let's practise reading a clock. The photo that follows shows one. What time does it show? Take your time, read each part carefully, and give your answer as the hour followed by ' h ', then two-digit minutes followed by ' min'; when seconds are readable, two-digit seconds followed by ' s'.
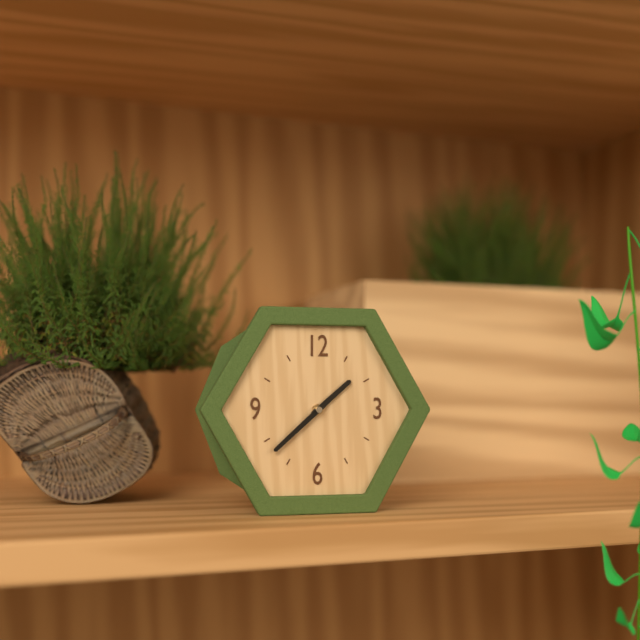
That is 1 h 38 min
